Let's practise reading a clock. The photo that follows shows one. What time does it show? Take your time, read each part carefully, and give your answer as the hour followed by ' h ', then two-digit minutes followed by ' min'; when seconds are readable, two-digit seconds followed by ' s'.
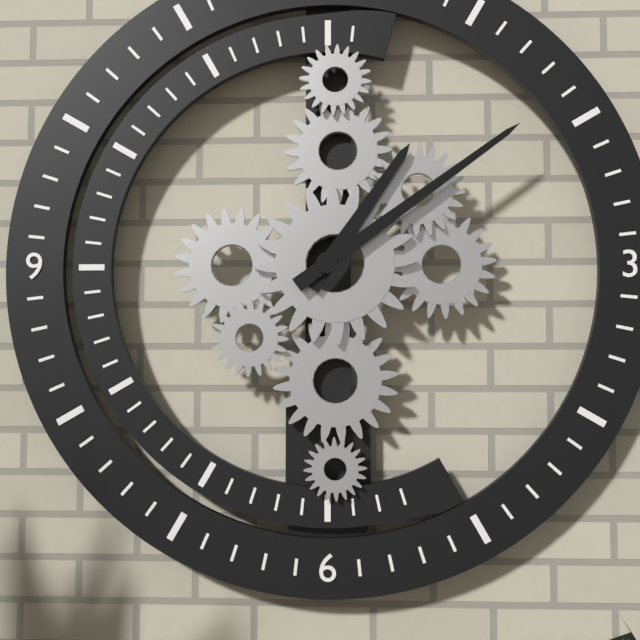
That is 1 h 09 min
